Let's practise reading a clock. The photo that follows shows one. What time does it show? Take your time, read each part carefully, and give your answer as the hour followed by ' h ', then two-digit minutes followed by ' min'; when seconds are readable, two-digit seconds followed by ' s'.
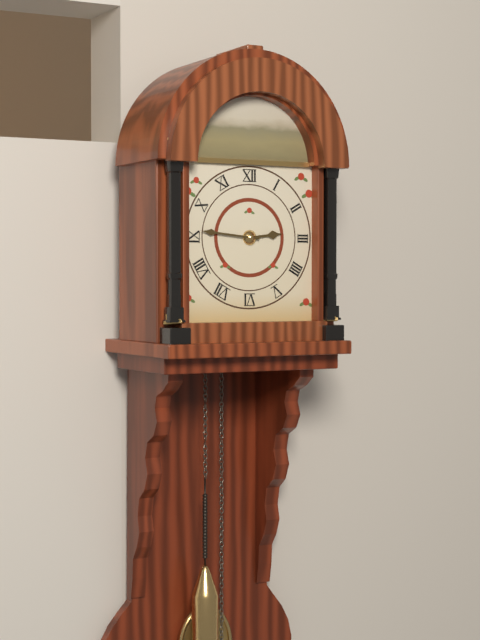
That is 2 h 46 min
